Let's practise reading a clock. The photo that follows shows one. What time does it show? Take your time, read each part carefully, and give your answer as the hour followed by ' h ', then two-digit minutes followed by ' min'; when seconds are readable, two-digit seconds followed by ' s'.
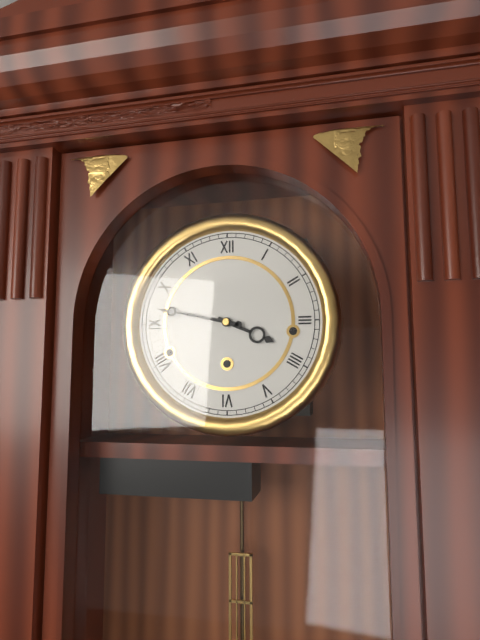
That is 3 h 47 min
